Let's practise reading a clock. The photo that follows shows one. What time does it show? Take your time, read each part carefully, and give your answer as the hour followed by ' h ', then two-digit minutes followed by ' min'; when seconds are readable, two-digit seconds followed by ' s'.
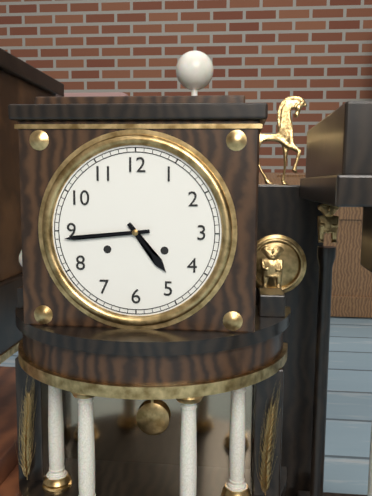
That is 4 h 44 min
